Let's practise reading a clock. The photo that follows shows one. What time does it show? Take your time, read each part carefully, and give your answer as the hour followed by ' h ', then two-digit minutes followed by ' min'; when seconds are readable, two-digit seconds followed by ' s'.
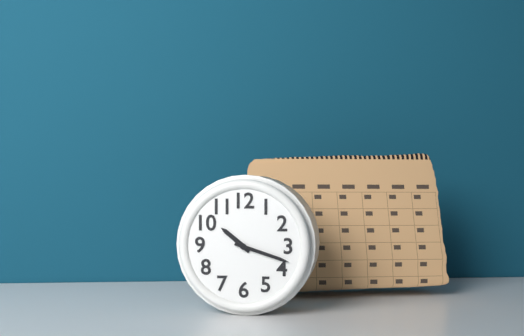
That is 10 h 18 min
